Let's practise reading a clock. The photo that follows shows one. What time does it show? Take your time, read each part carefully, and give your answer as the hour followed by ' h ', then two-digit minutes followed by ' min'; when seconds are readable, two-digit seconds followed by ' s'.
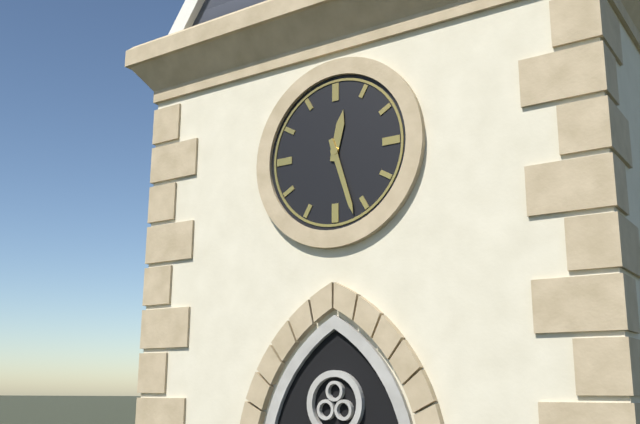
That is 12 h 27 min
